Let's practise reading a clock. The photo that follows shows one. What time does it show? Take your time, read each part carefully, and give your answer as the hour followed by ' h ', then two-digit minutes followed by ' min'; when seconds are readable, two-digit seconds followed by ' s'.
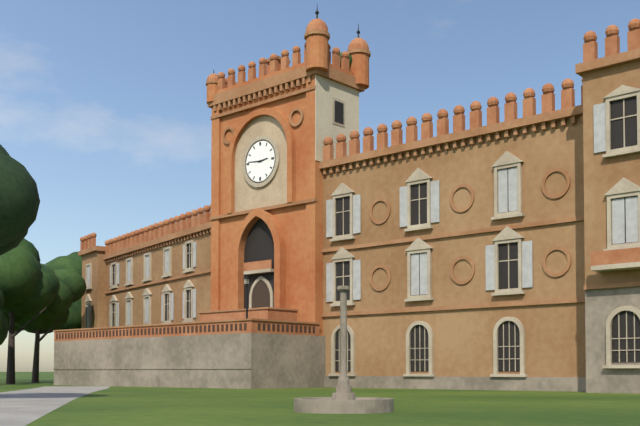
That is 2 h 46 min
